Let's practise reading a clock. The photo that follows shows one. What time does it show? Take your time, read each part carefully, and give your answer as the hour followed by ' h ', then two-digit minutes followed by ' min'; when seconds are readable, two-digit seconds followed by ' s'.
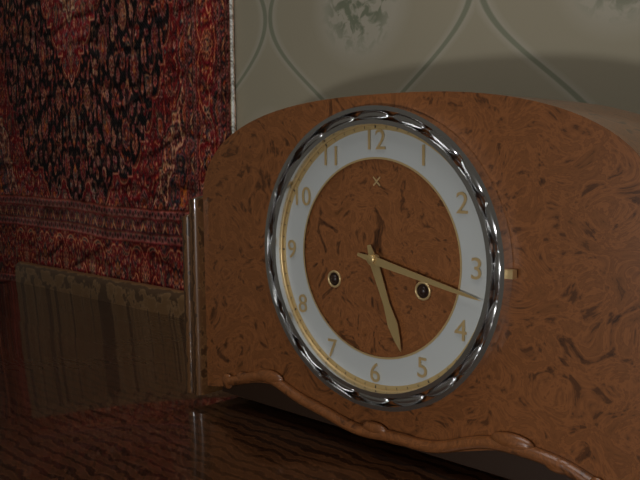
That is 5 h 17 min
